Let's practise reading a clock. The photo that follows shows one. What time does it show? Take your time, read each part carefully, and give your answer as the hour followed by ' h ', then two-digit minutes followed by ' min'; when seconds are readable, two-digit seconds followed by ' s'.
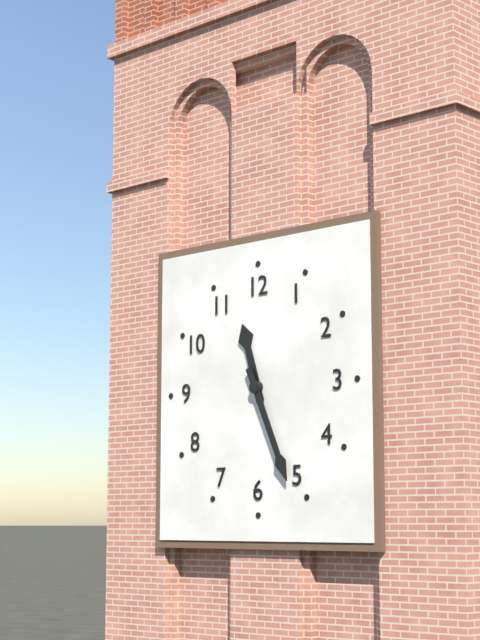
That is 11 h 26 min
